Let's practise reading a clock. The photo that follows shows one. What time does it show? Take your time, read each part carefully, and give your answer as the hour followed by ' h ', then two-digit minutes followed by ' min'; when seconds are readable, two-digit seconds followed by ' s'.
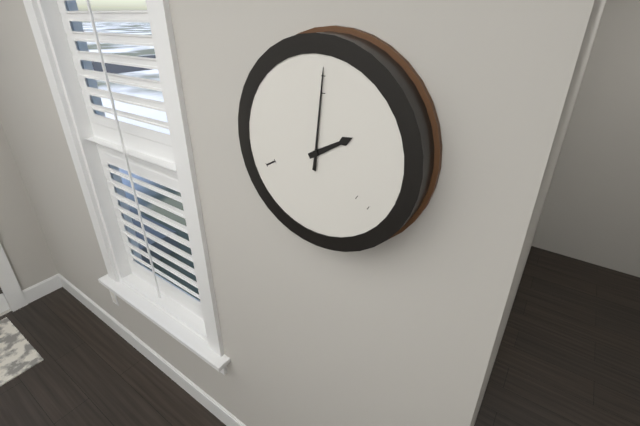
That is 2 h 01 min
